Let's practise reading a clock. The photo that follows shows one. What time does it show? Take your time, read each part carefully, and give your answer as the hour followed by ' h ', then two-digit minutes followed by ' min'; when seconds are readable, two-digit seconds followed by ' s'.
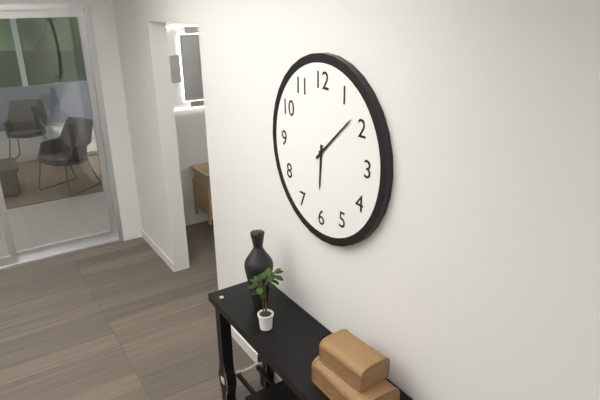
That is 6 h 08 min
